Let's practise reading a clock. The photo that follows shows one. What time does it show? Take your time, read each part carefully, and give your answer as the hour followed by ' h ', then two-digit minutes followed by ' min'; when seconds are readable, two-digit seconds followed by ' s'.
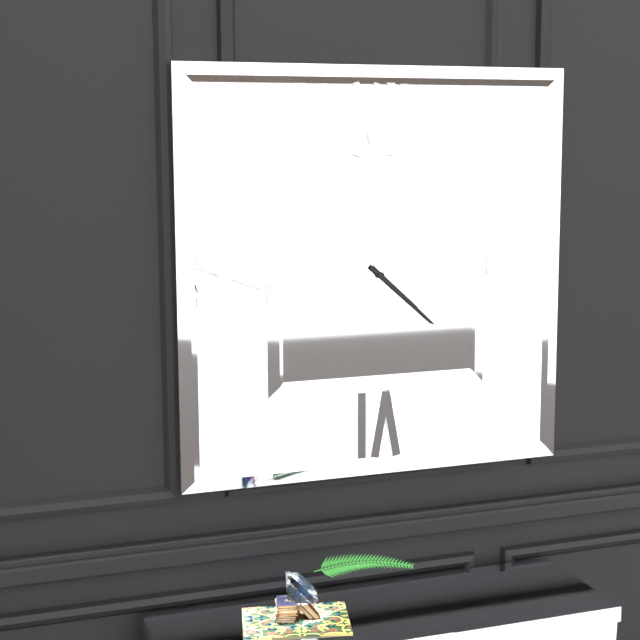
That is 4 h 22 min
